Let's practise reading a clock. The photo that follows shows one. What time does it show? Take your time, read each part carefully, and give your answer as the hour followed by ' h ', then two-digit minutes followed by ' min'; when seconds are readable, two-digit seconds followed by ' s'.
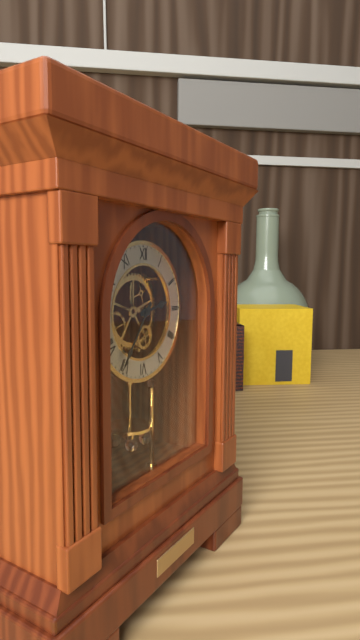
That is 2 h 36 min
